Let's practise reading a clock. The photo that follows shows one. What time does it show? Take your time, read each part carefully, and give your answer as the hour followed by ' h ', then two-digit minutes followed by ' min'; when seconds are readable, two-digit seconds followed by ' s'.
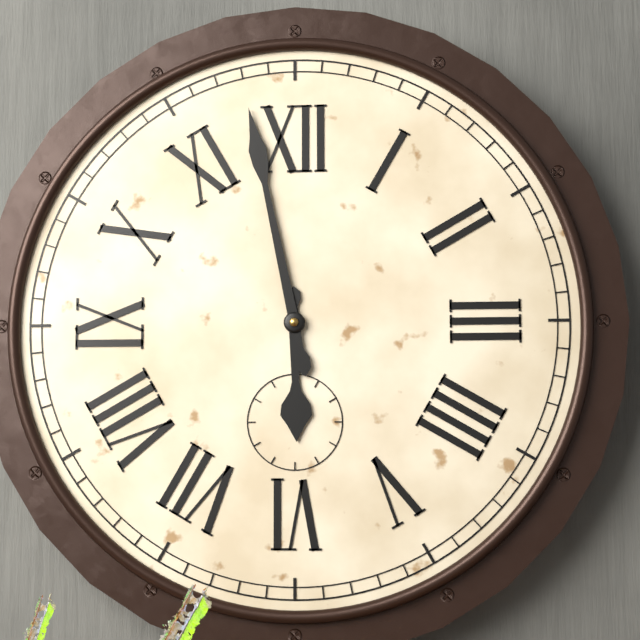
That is 5 h 58 min
